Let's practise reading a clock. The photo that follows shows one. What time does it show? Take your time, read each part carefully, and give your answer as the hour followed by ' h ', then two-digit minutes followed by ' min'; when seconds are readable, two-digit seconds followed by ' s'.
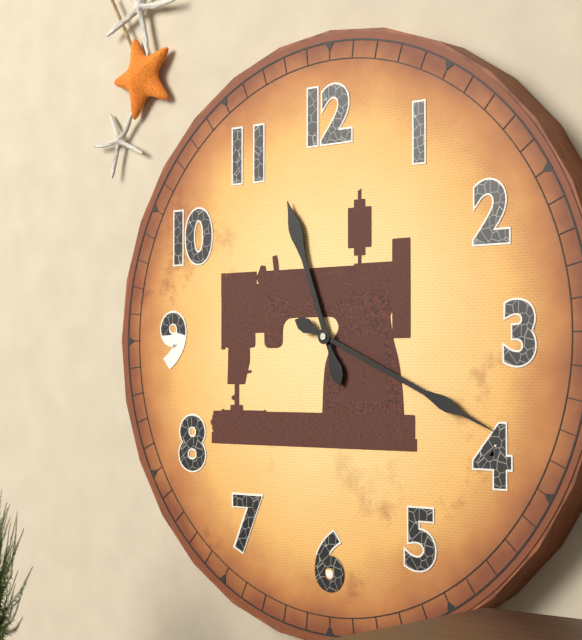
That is 11 h 19 min
